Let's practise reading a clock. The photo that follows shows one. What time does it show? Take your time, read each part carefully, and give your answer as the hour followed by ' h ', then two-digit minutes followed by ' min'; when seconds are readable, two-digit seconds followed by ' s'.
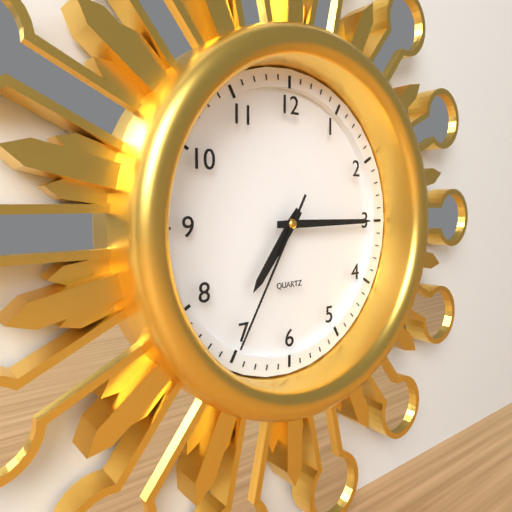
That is 7 h 15 min 35 s
